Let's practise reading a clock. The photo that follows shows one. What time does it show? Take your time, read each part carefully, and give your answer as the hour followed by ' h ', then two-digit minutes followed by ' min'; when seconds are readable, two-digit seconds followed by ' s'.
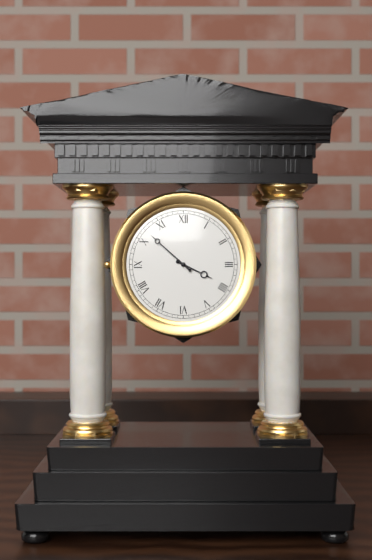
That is 3 h 52 min
